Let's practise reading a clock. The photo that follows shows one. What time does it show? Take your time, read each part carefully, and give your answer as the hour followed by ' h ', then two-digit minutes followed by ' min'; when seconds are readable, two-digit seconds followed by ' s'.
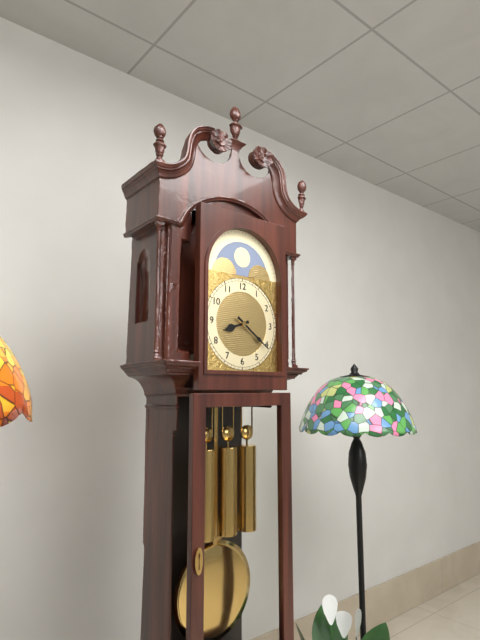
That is 8 h 21 min
